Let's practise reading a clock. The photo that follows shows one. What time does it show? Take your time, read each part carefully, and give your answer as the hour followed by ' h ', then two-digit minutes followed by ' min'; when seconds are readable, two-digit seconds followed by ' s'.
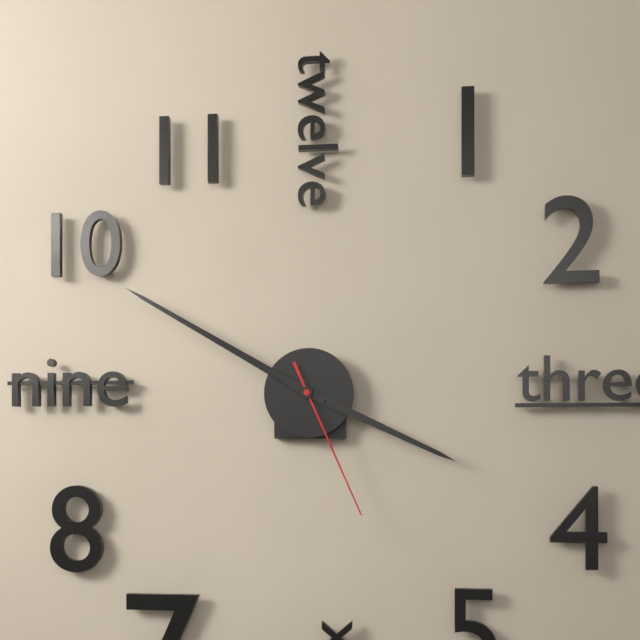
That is 3 h 50 min 26 s
